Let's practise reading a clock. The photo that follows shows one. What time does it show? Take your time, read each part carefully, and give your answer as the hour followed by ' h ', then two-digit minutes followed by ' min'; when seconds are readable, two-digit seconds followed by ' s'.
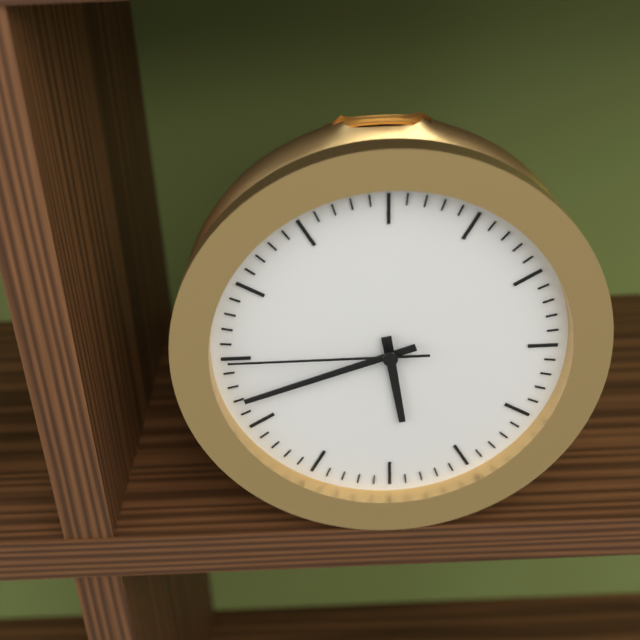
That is 5 h 42 min 45 s
